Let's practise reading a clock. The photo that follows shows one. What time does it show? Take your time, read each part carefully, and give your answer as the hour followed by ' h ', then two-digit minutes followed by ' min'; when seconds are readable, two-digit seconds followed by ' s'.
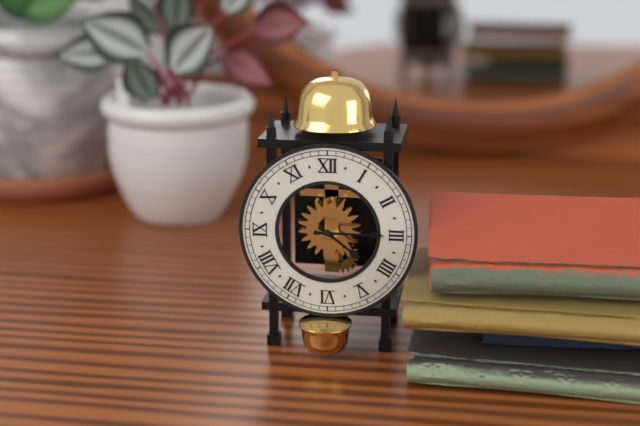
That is 4 h 15 min
